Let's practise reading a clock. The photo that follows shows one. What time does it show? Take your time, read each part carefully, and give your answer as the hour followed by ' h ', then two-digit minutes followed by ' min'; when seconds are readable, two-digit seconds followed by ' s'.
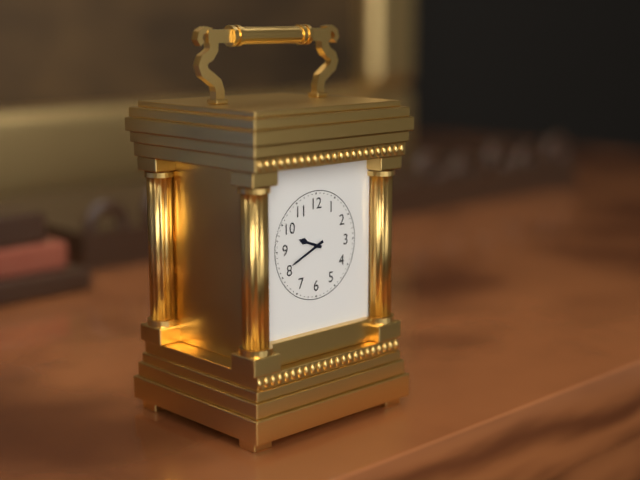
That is 9 h 41 min
